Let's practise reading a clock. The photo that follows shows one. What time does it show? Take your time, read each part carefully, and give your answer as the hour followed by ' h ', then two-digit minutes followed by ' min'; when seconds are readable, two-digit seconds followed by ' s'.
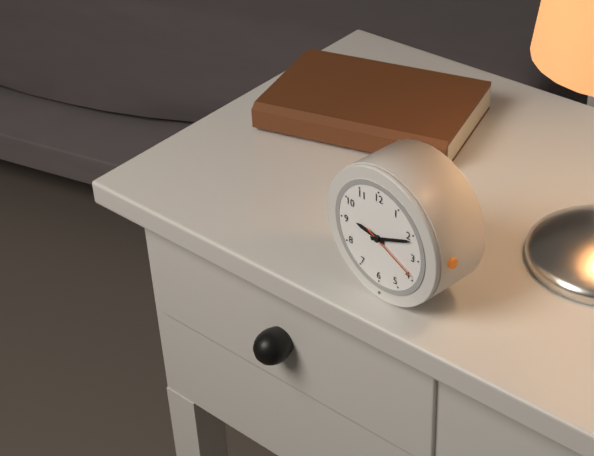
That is 9 h 11 min 19 s
